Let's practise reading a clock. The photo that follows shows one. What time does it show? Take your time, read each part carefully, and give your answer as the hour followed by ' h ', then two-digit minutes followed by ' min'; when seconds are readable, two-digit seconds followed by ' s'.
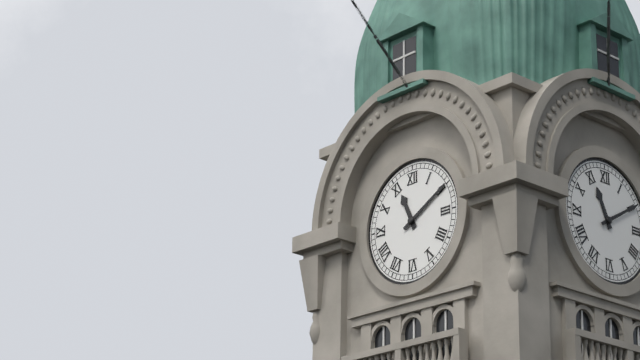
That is 11 h 10 min
